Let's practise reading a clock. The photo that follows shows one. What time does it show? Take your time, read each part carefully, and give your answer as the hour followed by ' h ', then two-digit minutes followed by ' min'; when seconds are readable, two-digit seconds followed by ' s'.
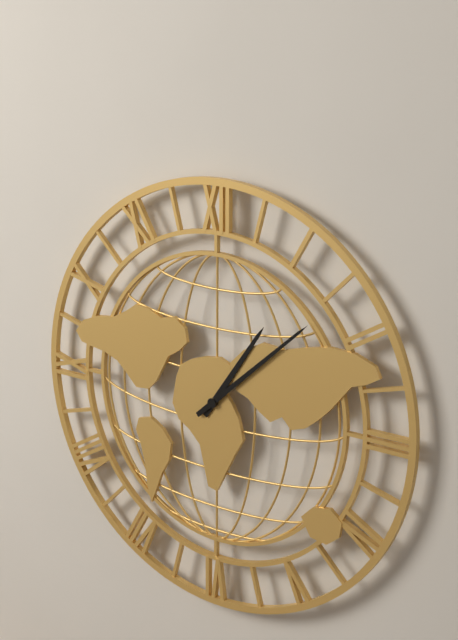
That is 1 h 08 min
